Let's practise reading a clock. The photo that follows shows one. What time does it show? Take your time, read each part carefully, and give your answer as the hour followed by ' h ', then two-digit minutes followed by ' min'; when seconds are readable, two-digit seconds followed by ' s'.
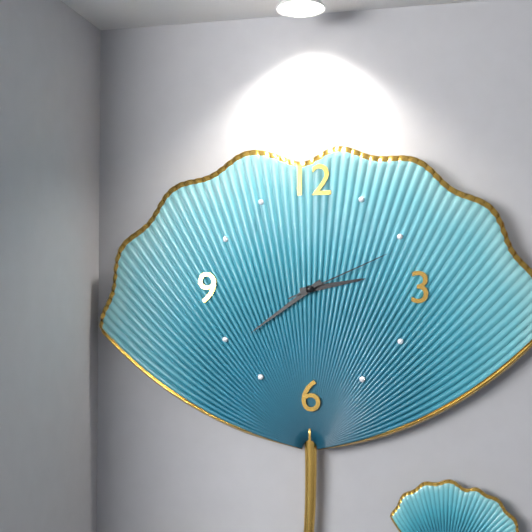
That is 2 h 39 min 11 s
